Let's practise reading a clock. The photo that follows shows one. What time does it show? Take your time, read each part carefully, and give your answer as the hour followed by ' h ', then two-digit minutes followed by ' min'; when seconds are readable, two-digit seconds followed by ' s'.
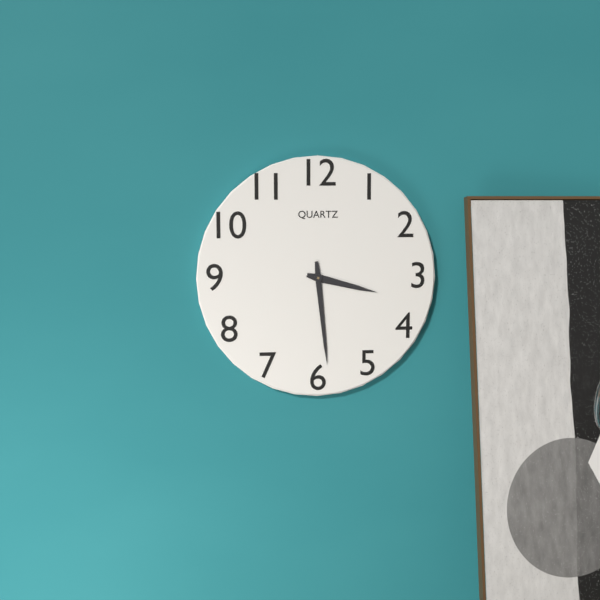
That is 3 h 29 min
